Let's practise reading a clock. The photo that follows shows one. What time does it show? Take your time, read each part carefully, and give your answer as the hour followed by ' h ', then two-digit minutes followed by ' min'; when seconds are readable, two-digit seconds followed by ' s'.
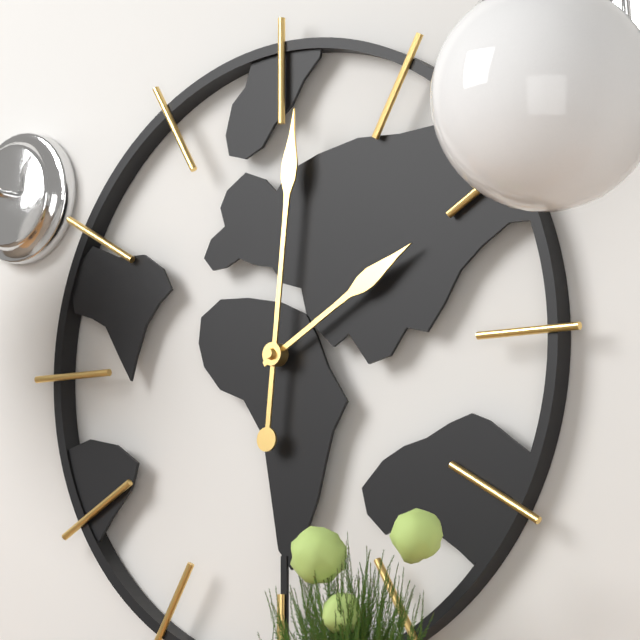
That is 2 h 01 min
